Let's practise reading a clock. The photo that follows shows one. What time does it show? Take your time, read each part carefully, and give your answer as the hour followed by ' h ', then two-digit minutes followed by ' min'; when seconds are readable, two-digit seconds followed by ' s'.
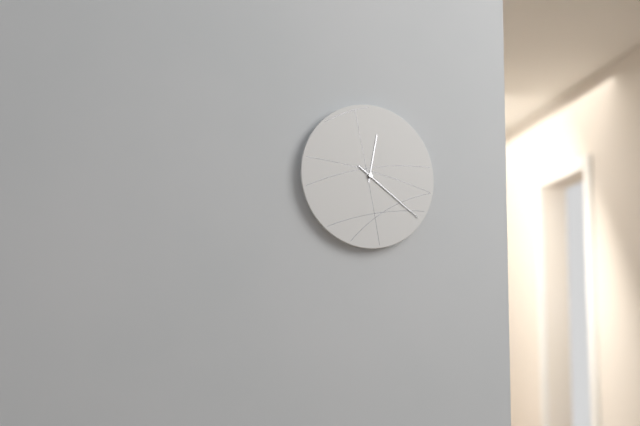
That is 12 h 21 min
